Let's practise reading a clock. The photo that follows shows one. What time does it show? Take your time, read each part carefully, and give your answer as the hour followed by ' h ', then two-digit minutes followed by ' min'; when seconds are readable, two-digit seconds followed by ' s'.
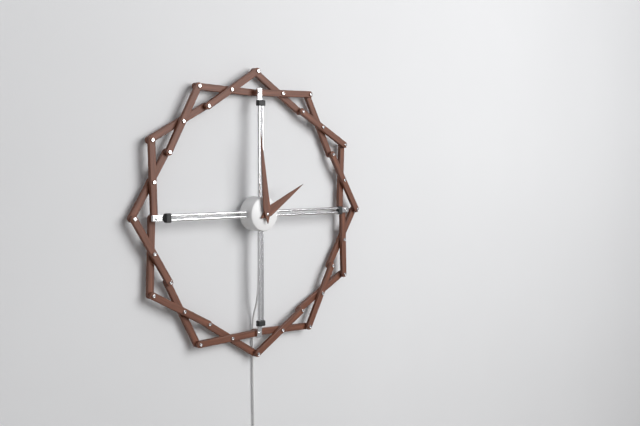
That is 1 h 59 min
